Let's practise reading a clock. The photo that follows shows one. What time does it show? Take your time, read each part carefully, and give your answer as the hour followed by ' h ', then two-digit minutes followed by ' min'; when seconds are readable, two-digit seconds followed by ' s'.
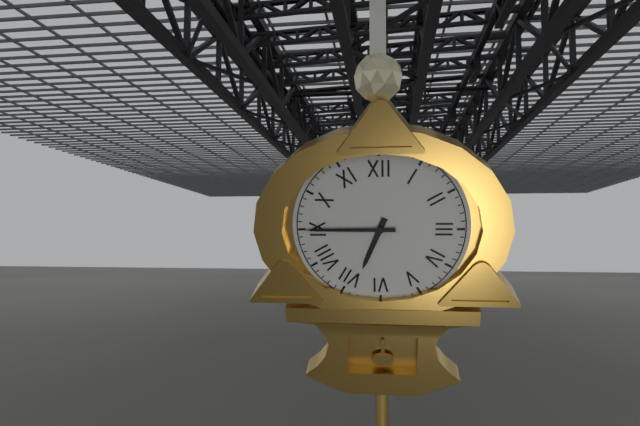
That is 6 h 45 min
